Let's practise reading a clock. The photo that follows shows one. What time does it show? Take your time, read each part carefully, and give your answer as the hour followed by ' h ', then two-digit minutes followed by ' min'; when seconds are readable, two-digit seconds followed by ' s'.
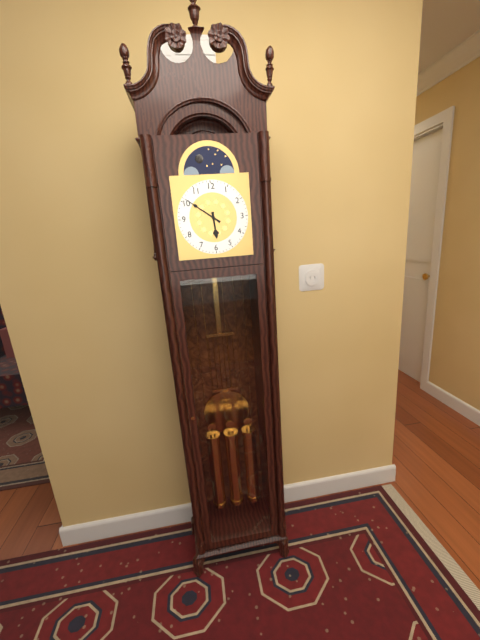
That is 5 h 51 min
